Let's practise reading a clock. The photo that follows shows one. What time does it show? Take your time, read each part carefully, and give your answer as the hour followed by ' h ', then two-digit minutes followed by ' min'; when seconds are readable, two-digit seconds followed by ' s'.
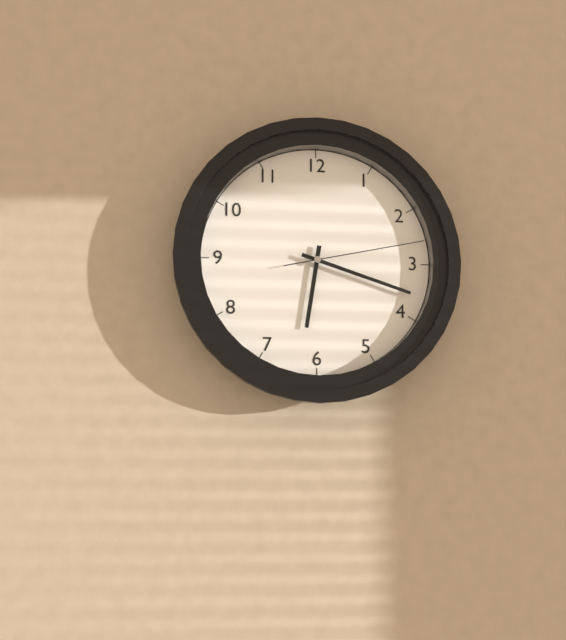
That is 6 h 18 min 13 s
